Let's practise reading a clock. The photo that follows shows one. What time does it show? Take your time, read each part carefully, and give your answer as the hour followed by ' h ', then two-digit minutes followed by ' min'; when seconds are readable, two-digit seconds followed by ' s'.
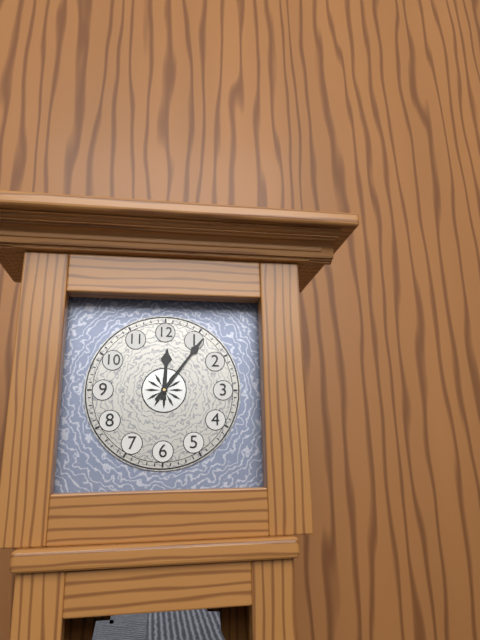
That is 12 h 06 min
